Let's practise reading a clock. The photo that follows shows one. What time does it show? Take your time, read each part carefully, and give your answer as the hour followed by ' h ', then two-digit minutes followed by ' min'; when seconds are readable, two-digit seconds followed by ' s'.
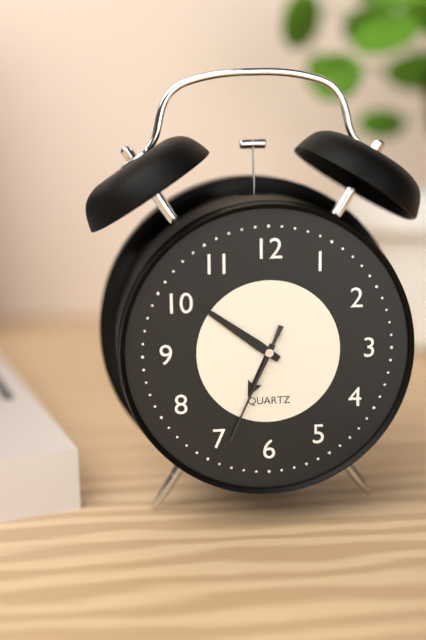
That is 6 h 51 min 34 s
